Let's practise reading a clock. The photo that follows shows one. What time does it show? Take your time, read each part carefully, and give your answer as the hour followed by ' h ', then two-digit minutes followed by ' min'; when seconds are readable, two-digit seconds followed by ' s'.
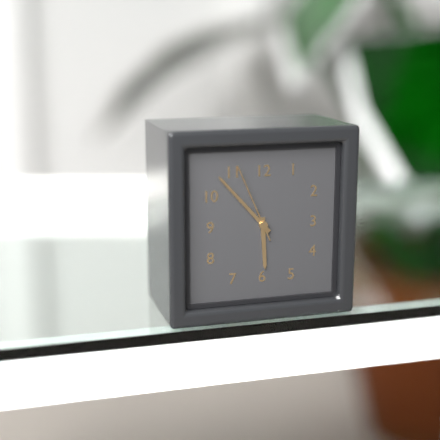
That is 5 h 53 min 56 s
